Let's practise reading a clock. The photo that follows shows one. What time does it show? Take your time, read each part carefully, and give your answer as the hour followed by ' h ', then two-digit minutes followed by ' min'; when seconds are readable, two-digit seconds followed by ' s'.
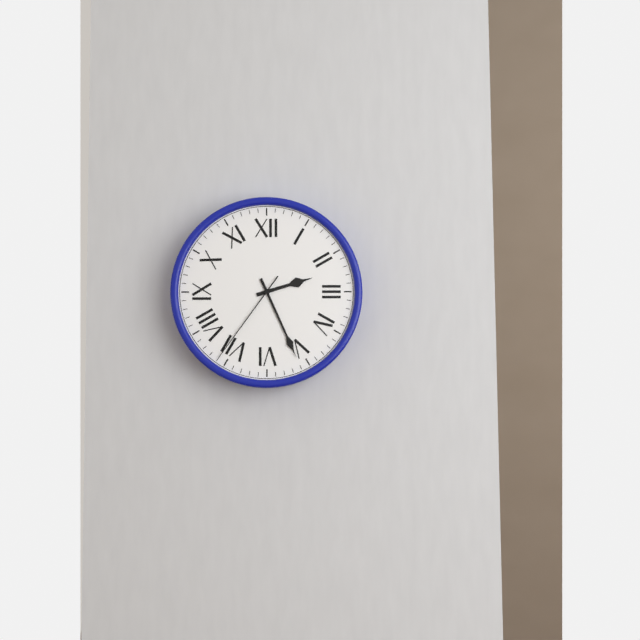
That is 2 h 26 min 36 s
